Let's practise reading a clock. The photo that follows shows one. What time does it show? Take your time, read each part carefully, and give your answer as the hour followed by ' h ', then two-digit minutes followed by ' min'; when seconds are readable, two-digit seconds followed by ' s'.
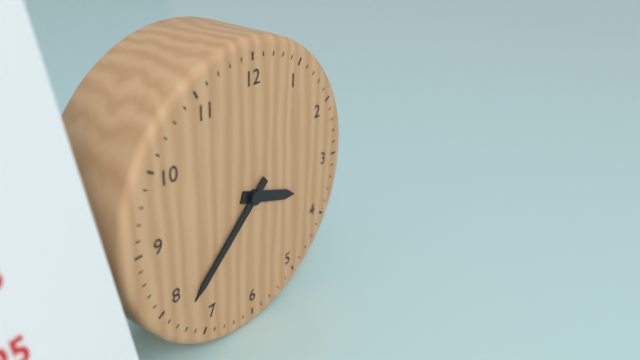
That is 3 h 38 min
